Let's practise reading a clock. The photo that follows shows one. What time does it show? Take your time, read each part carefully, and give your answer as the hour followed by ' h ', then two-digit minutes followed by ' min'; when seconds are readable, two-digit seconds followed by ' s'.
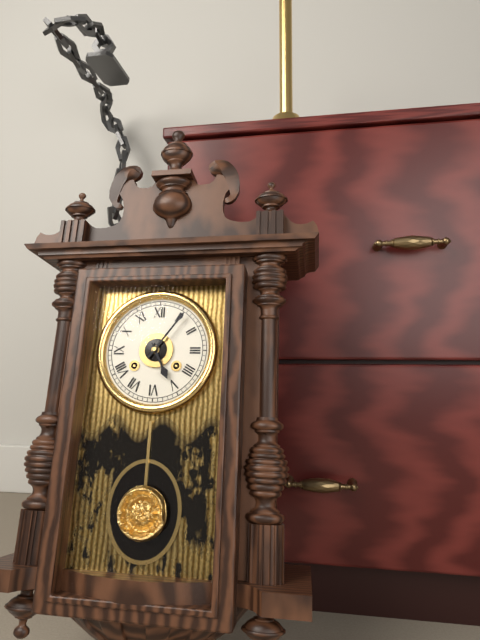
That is 5 h 06 min
